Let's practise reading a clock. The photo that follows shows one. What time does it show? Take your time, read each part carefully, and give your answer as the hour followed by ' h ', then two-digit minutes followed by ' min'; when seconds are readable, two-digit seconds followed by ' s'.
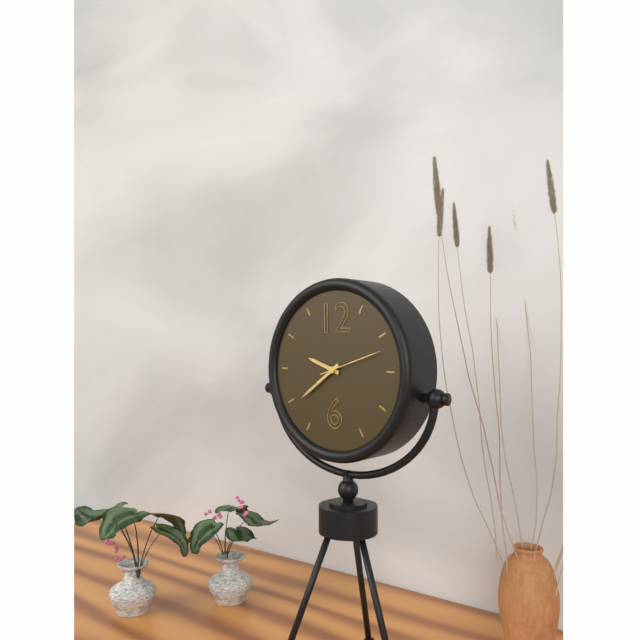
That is 9 h 39 min 12 s
